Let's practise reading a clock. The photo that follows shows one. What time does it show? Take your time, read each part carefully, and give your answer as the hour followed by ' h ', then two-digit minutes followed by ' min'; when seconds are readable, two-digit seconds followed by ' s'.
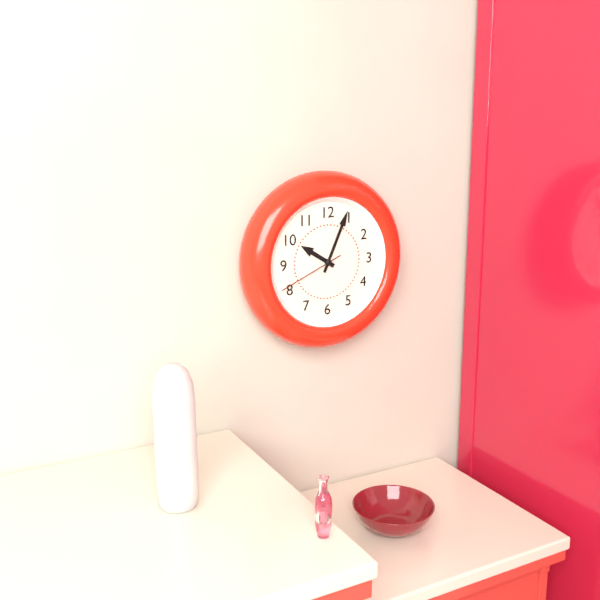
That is 10 h 04 min 41 s
